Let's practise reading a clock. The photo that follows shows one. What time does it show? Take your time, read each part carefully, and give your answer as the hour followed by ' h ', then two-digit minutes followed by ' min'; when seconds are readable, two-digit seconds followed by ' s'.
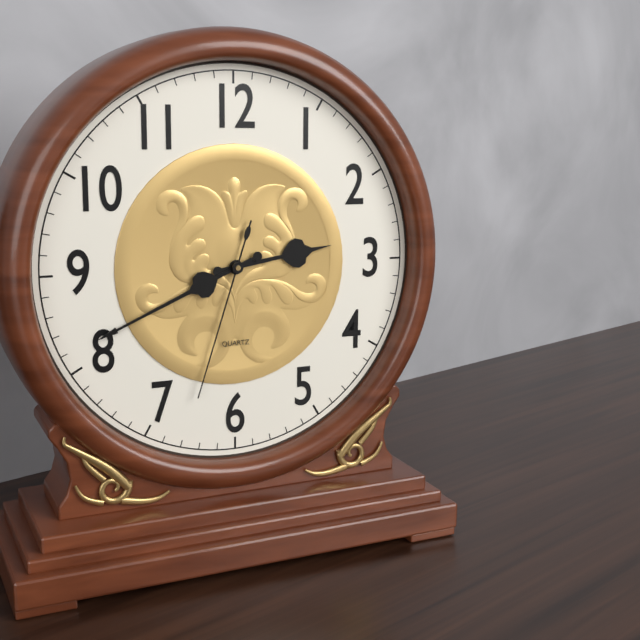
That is 2 h 41 min 33 s
